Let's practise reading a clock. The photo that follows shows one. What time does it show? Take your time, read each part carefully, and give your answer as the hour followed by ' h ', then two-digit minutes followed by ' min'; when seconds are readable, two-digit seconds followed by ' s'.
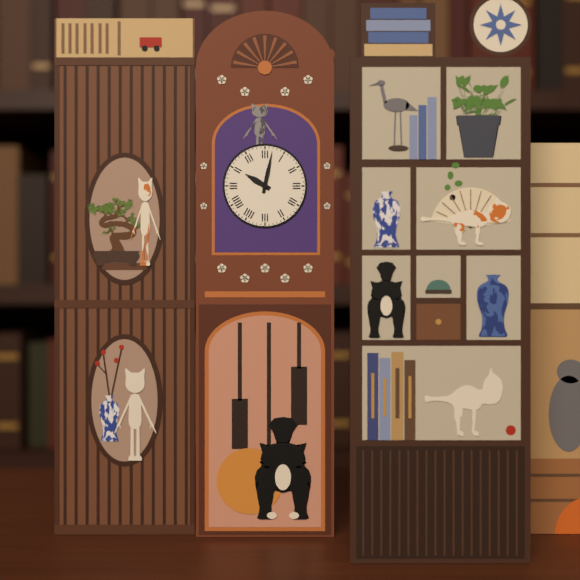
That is 10 h 02 min
